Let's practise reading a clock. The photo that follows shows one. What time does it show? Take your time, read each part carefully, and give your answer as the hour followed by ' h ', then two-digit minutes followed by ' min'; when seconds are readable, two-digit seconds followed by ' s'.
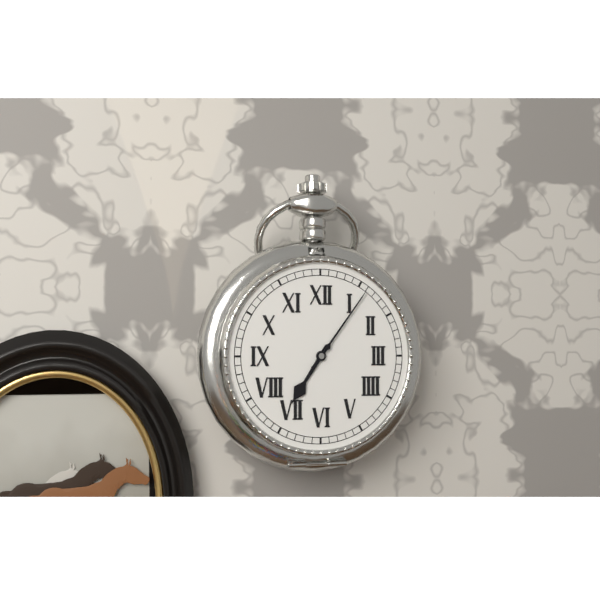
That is 7 h 06 min
